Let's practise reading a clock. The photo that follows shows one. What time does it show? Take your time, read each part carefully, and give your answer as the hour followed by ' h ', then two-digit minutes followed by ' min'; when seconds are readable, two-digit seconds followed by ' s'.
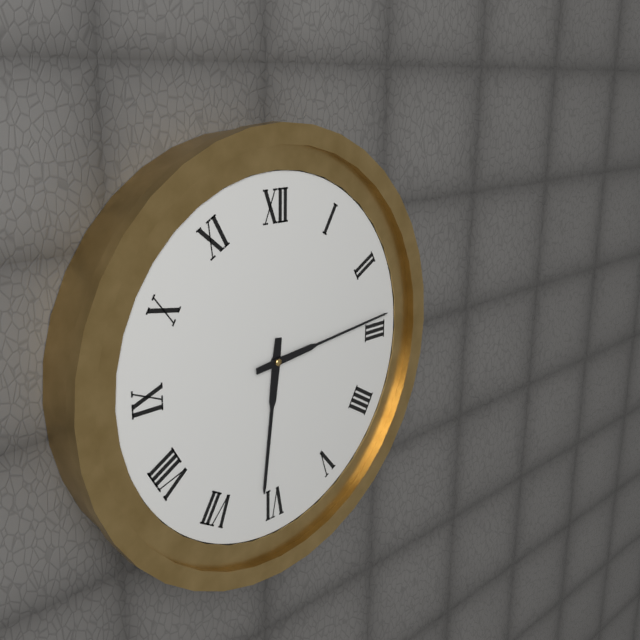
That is 6 h 14 min
